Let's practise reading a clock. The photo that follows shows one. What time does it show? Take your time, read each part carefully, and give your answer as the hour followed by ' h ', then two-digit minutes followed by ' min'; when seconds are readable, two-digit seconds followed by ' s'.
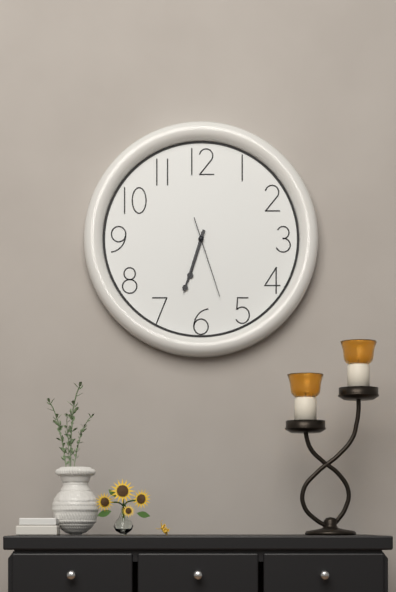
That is 6 h 33 min 27 s
